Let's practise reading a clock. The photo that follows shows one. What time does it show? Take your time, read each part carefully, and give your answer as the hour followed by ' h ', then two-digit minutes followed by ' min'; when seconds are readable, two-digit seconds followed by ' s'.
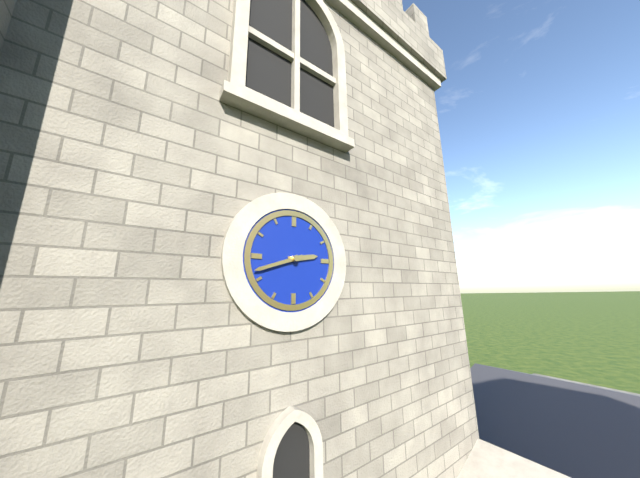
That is 2 h 42 min
